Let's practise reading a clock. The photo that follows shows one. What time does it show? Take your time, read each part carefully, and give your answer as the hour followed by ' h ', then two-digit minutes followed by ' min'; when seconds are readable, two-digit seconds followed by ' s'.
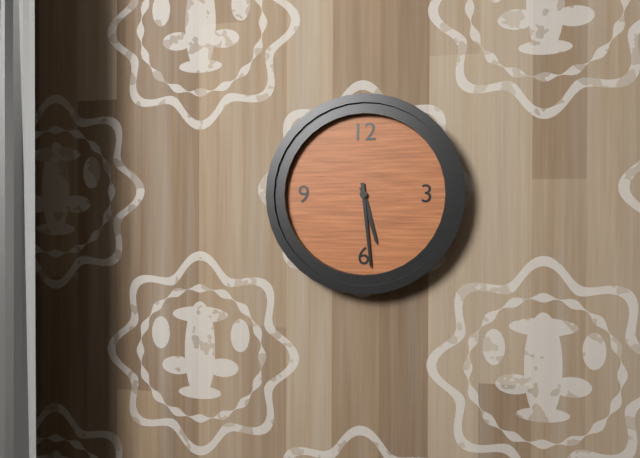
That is 5 h 29 min
